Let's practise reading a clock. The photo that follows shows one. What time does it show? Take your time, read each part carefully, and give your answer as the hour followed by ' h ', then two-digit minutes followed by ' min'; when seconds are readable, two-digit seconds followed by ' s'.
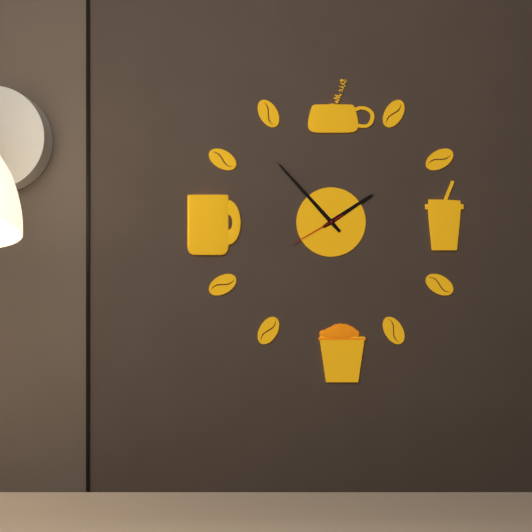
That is 1 h 53 min 40 s
